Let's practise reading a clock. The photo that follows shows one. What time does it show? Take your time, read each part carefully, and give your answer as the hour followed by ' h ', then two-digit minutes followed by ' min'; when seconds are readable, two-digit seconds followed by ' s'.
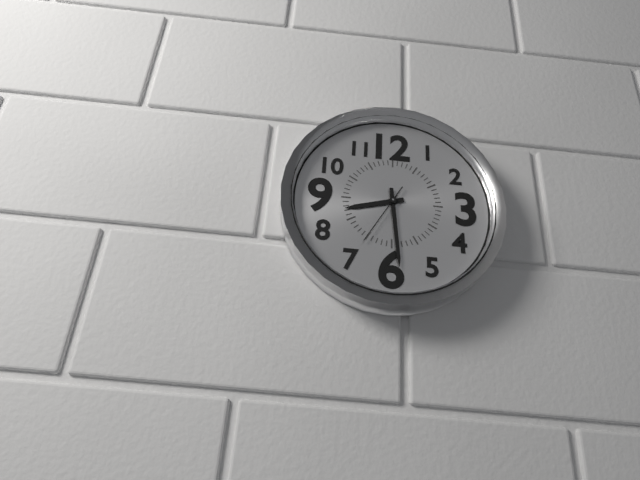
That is 8 h 29 min 35 s
